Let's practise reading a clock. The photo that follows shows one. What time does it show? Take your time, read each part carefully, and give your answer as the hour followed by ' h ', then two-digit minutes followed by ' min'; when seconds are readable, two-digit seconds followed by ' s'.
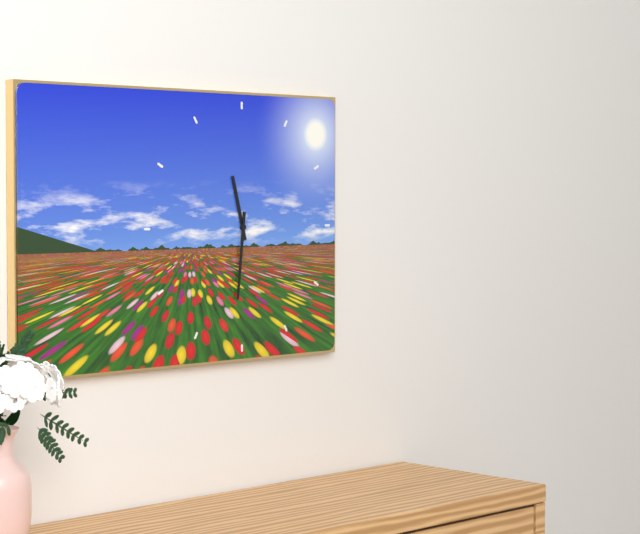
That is 11 h 31 min
